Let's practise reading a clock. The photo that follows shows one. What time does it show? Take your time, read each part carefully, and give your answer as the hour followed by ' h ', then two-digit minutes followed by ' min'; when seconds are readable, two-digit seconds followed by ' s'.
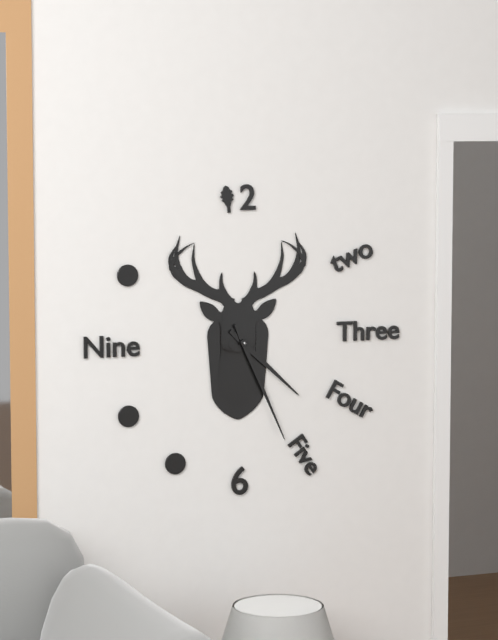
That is 4 h 26 min
